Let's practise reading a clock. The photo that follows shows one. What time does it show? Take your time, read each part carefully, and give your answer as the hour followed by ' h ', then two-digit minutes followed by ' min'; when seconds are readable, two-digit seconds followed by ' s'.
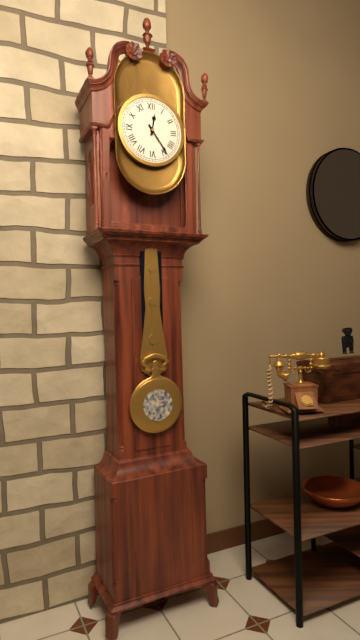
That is 12 h 24 min
